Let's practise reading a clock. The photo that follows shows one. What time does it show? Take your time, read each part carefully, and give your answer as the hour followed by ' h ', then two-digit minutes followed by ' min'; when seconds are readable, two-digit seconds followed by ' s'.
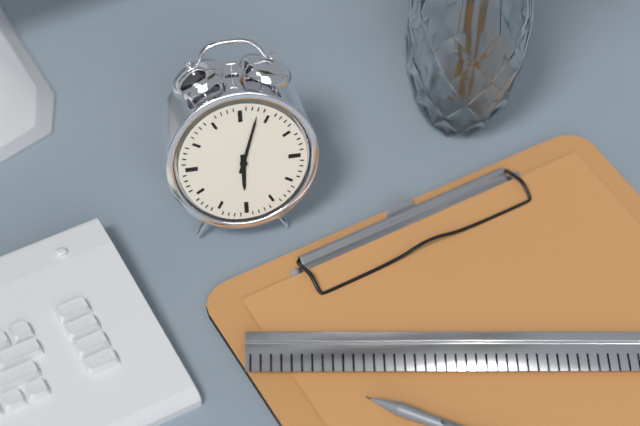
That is 6 h 03 min
